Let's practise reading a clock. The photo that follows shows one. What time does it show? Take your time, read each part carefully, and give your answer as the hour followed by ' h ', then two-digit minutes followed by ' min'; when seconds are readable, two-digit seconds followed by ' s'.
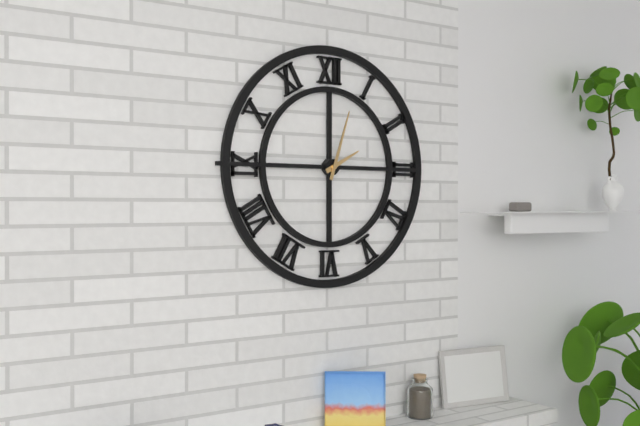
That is 2 h 03 min
